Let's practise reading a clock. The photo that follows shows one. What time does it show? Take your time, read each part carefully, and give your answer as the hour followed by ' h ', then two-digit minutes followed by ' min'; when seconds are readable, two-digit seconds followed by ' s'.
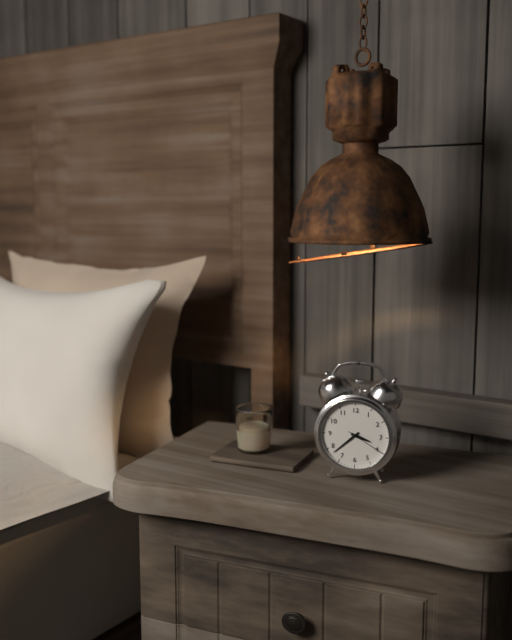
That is 3 h 38 min
